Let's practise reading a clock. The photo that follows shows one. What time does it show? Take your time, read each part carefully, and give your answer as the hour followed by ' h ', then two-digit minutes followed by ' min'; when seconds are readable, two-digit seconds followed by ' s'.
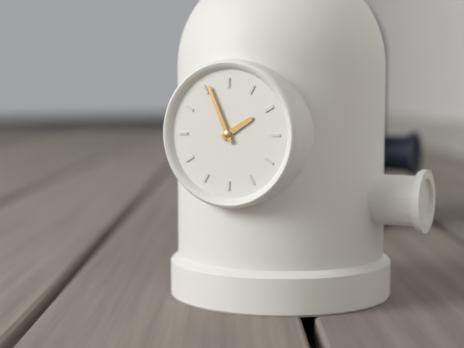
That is 1 h 56 min
